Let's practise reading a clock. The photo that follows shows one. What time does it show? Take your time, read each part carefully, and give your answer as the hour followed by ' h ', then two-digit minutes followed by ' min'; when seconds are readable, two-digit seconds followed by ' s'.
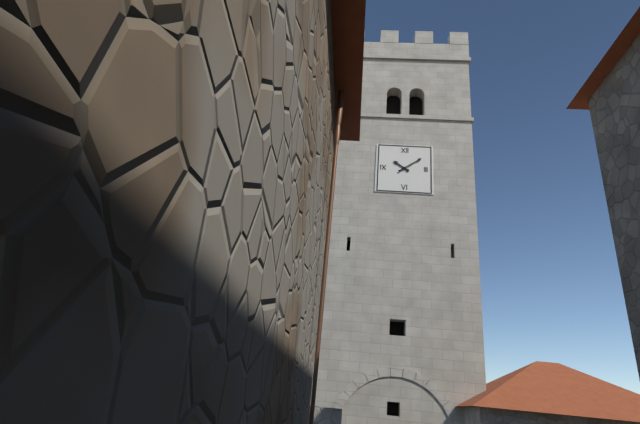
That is 10 h 09 min
